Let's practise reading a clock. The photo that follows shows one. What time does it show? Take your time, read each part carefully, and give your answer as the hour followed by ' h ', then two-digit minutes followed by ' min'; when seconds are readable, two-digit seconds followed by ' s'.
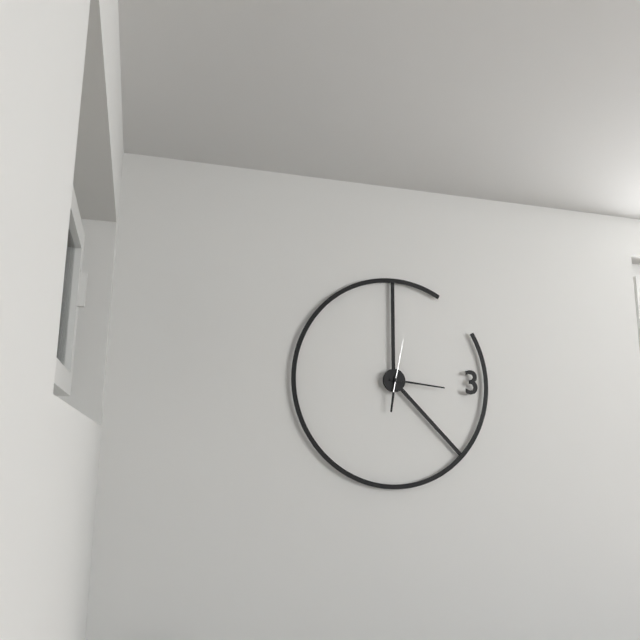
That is 6 h 16 min 02 s
